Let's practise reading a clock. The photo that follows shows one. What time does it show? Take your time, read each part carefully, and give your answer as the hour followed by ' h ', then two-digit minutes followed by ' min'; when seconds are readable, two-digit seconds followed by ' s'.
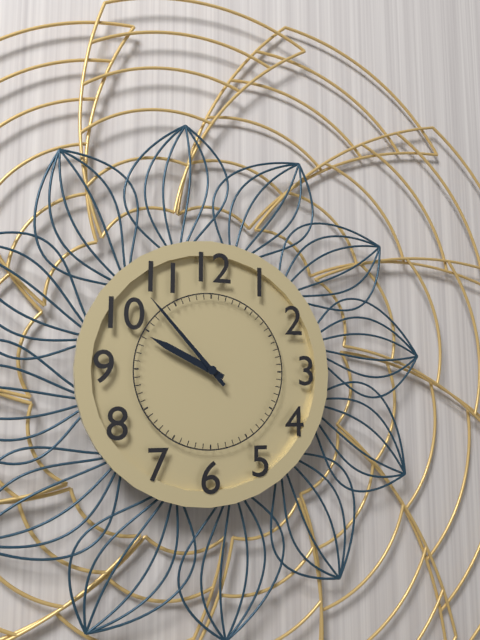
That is 9 h 53 min
